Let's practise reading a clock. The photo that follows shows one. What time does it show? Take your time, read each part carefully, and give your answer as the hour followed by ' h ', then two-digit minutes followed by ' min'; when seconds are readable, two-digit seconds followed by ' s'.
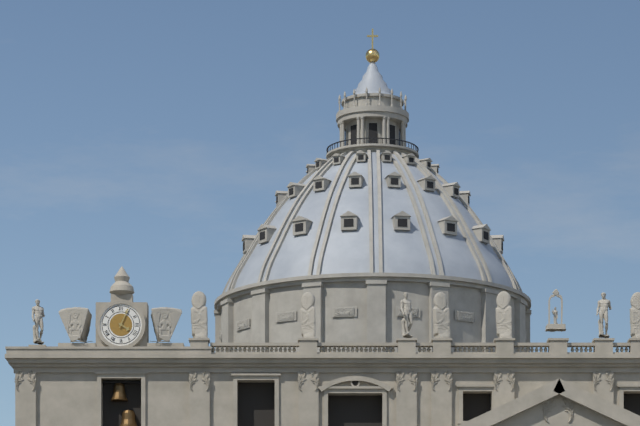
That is 4 h 04 min
